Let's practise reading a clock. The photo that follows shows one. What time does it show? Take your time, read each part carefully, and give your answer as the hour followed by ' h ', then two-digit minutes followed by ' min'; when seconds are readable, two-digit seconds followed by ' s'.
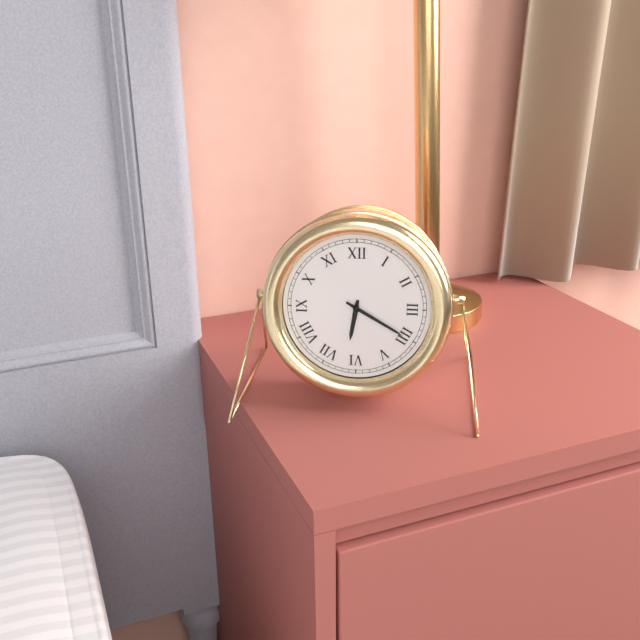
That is 6 h 20 min
